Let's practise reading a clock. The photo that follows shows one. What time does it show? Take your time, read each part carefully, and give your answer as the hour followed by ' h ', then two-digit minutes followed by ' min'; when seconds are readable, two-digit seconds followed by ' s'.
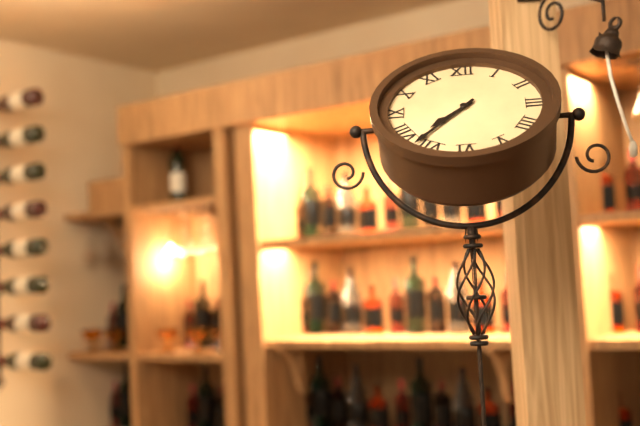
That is 7 h 37 min
